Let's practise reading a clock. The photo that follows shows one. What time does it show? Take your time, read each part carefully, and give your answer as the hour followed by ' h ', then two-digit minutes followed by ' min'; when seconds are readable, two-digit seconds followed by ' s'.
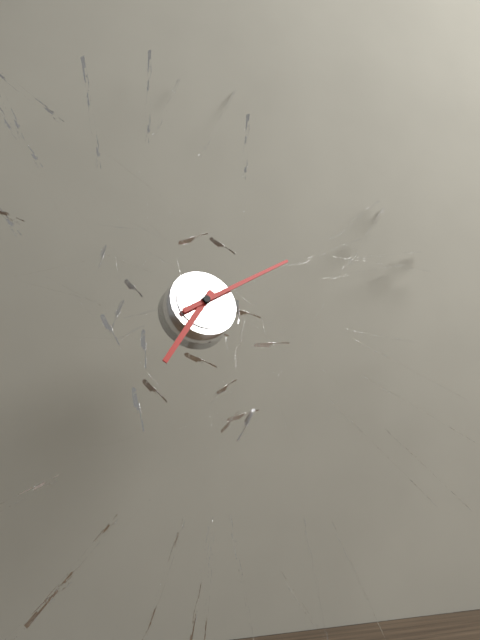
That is 7 h 10 min
